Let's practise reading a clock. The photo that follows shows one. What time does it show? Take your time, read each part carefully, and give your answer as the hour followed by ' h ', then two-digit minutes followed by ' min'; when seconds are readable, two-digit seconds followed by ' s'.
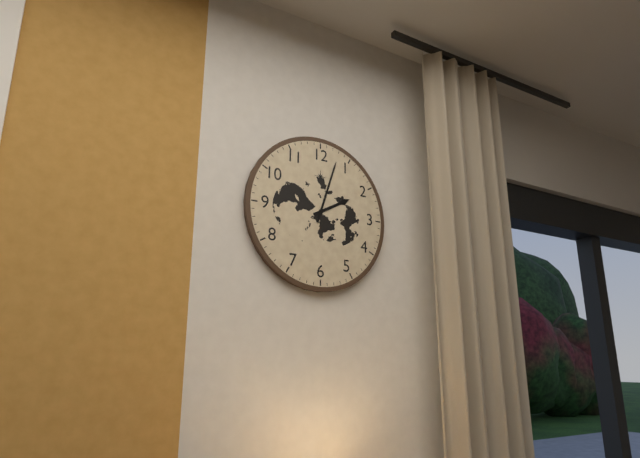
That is 2 h 03 min
